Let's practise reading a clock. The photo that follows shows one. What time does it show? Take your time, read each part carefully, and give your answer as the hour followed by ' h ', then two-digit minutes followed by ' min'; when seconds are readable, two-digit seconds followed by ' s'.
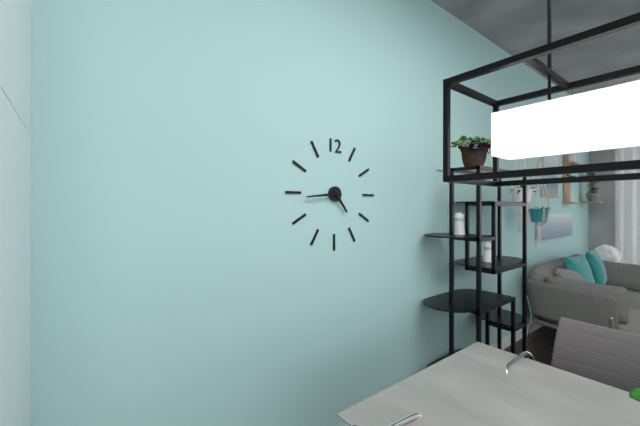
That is 4 h 44 min
